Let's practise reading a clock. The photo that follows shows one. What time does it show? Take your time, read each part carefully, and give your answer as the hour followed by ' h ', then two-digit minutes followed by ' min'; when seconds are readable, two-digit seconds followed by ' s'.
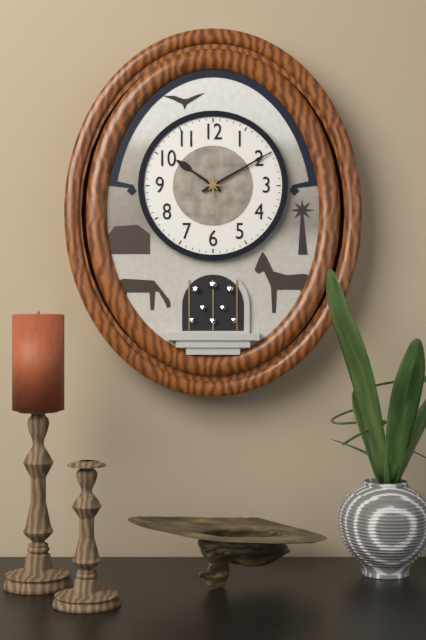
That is 10 h 10 min
